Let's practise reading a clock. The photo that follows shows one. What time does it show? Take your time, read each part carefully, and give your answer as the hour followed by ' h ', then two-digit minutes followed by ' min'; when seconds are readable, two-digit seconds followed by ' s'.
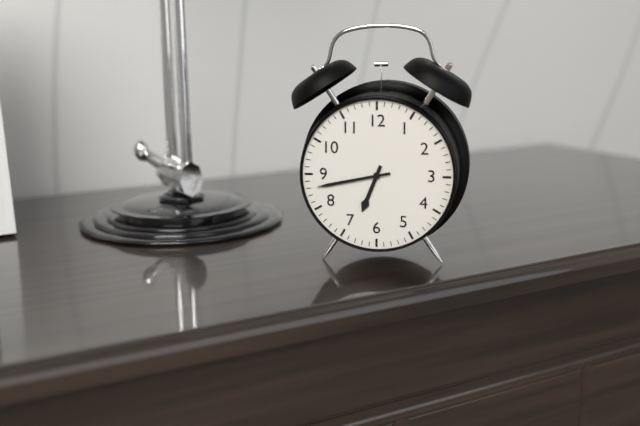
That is 6 h 43 min
